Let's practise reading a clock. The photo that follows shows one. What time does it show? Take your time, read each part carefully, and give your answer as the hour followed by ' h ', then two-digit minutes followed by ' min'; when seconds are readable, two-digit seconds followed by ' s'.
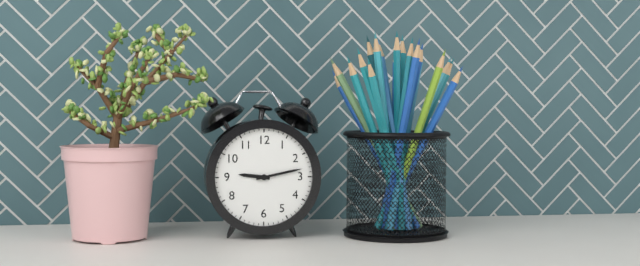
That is 9 h 13 min
